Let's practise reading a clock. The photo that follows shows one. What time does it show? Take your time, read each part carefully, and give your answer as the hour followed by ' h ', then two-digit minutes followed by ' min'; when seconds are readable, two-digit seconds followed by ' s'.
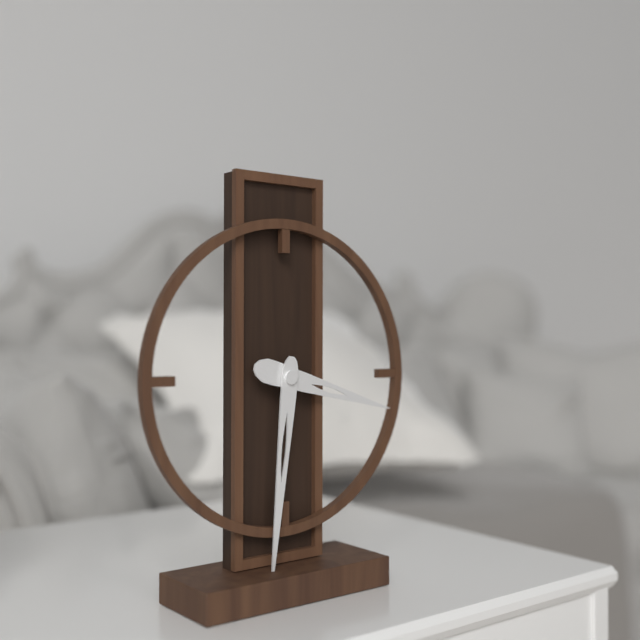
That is 3 h 31 min
